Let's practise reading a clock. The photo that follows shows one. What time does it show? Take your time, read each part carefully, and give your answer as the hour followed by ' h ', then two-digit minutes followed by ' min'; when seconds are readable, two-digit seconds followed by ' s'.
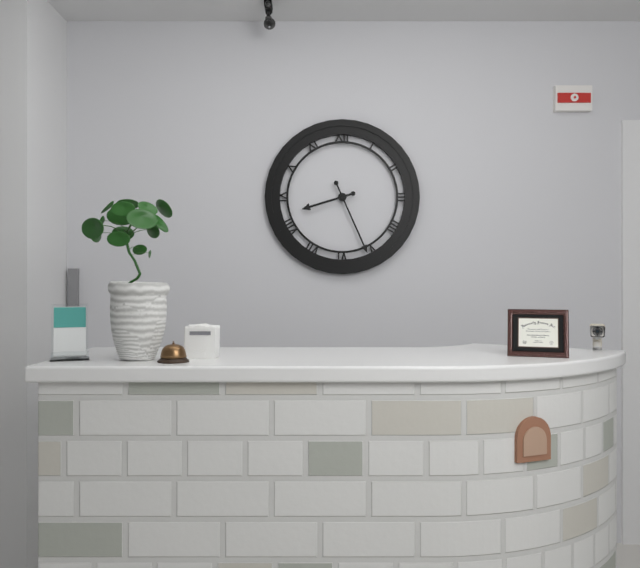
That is 8 h 26 min
